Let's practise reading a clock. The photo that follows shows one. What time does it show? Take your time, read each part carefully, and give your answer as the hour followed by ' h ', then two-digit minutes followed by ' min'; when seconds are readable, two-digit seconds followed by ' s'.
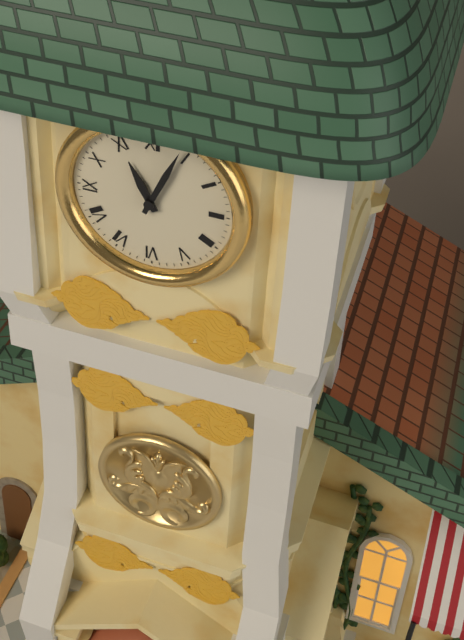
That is 11 h 04 min
